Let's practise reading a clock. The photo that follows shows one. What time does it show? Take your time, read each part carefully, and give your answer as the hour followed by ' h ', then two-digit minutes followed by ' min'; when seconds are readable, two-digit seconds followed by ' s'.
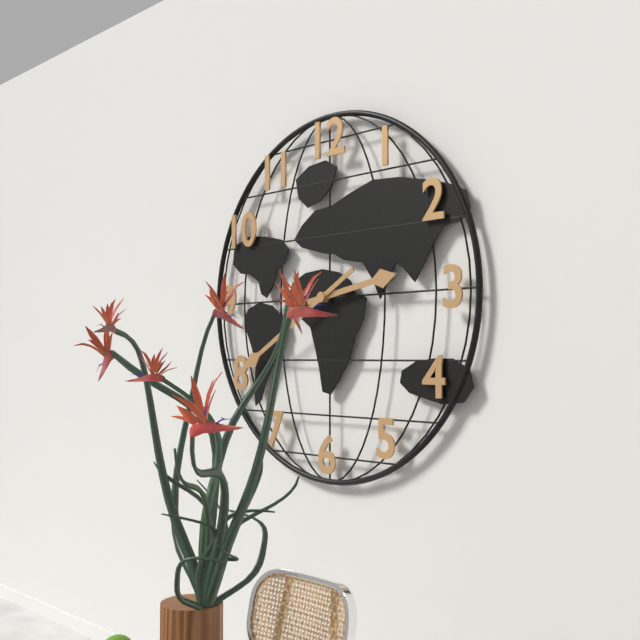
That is 2 h 40 min
